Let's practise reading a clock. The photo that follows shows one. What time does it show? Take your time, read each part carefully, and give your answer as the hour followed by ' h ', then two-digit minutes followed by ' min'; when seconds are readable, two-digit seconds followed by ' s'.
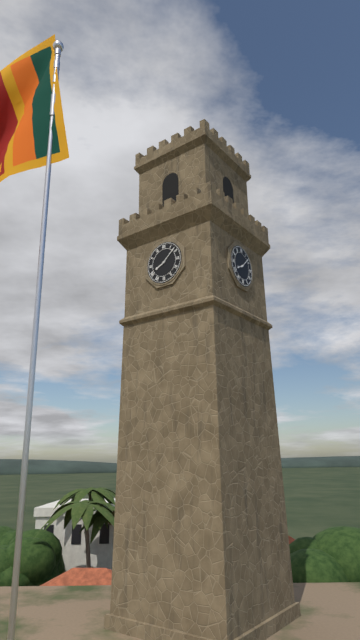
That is 8 h 08 min
